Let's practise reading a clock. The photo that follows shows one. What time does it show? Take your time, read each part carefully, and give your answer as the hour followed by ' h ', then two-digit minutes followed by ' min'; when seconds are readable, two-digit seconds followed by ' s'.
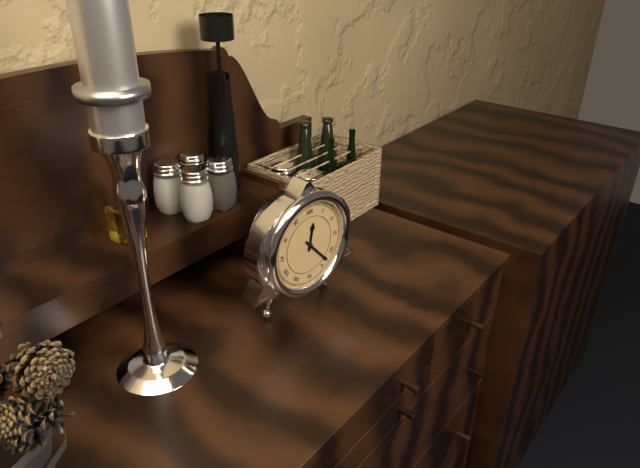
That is 12 h 23 min
